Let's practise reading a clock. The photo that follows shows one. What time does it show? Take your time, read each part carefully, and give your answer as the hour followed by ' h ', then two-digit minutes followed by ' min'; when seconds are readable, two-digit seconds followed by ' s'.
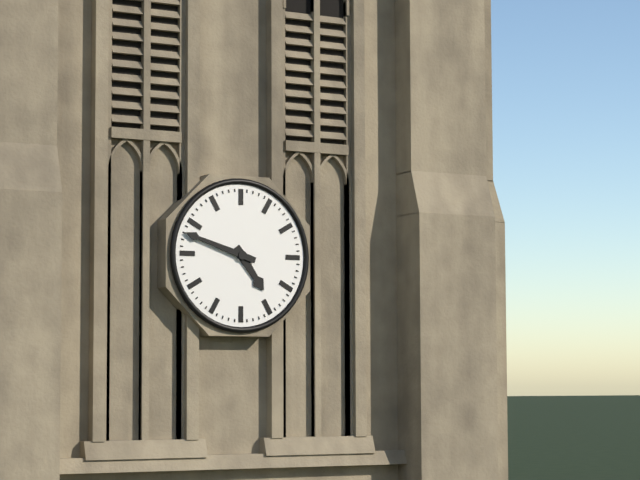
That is 4 h 48 min
